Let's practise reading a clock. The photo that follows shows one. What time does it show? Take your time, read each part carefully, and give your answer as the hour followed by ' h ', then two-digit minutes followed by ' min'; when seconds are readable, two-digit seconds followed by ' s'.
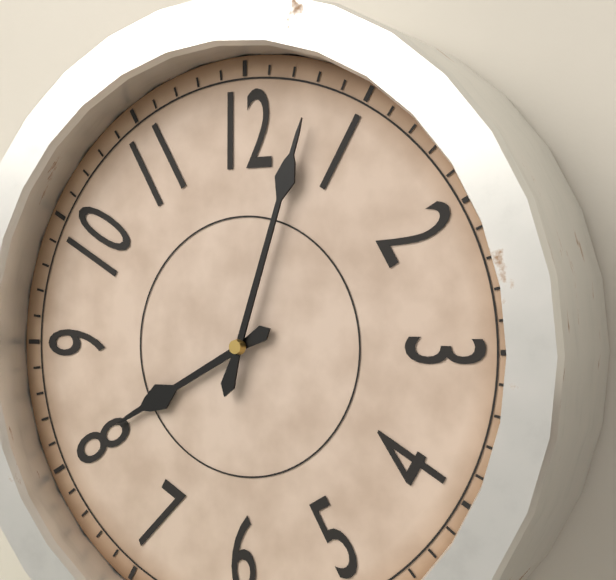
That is 8 h 03 min
